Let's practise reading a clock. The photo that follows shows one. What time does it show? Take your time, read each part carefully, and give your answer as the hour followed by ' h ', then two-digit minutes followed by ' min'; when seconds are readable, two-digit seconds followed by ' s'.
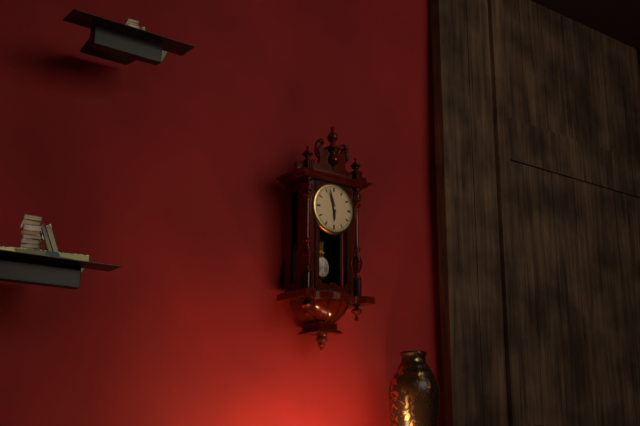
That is 5 h 57 min
